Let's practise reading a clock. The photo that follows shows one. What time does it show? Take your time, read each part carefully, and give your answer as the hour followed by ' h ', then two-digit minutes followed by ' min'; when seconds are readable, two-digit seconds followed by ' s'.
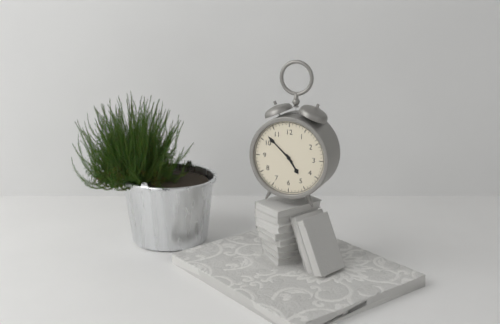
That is 4 h 52 min
